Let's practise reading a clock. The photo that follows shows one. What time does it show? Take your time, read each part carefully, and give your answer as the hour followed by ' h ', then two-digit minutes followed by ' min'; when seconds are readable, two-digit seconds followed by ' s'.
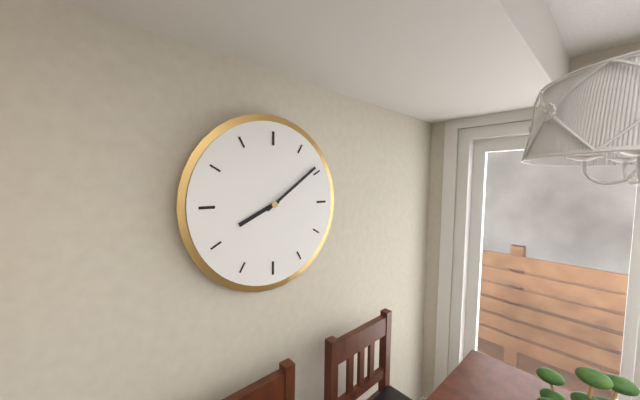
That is 8 h 09 min
